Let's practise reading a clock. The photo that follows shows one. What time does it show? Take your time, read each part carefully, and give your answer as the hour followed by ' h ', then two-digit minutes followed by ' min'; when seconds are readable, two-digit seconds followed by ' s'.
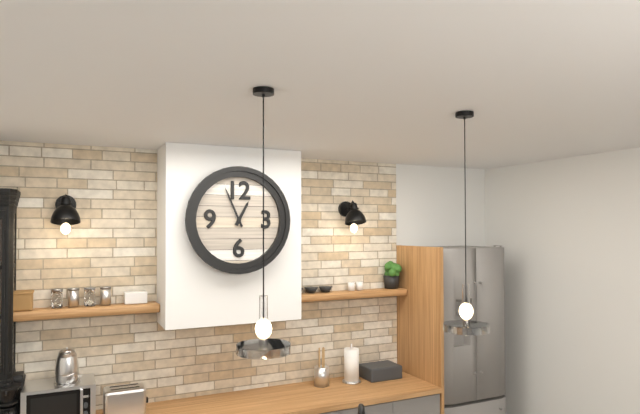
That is 12 h 56 min
